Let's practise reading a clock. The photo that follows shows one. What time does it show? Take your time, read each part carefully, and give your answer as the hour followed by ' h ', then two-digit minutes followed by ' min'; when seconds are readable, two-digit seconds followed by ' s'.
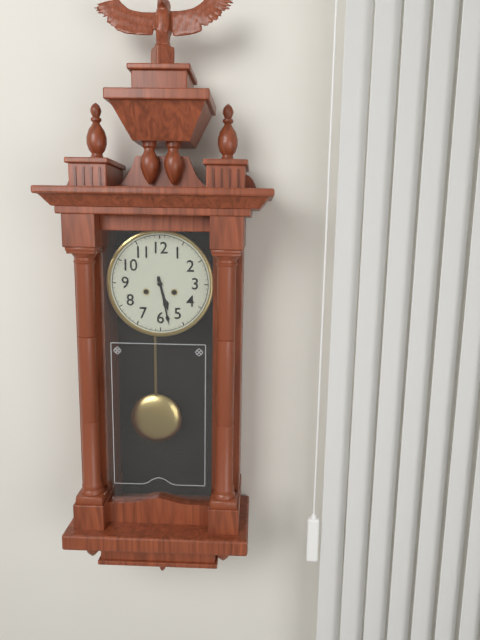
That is 5 h 28 min
